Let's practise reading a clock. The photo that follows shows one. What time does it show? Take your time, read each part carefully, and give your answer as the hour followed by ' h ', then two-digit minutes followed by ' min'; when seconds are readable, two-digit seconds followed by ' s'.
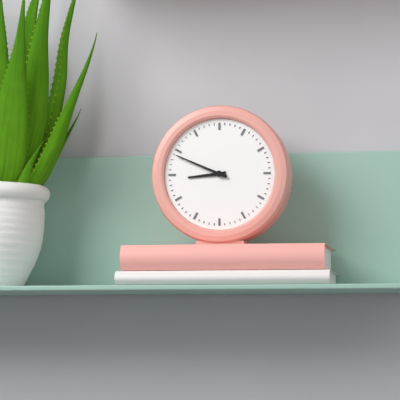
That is 8 h 49 min
